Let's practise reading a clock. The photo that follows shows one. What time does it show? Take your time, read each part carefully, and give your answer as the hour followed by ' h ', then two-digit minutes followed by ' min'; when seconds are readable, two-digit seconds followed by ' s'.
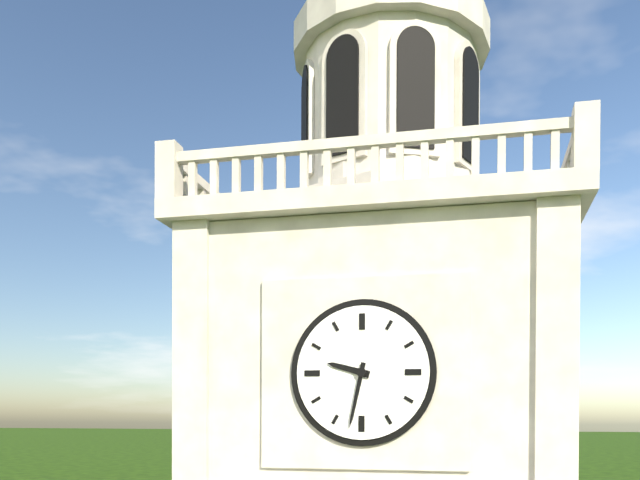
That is 9 h 32 min
